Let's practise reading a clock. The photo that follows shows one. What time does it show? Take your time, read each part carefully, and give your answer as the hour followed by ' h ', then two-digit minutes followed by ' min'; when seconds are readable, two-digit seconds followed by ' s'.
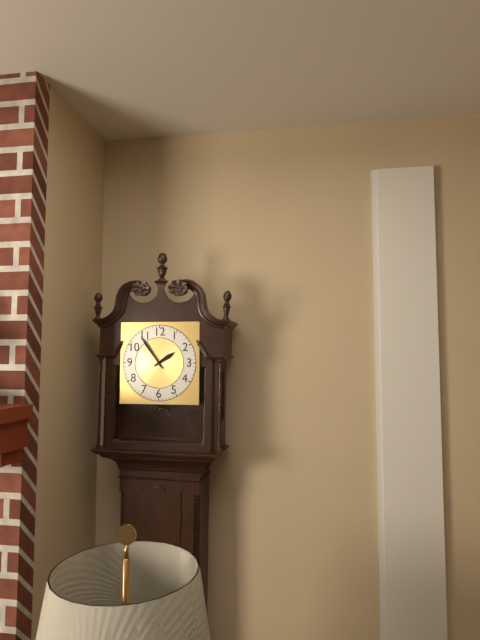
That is 1 h 54 min
